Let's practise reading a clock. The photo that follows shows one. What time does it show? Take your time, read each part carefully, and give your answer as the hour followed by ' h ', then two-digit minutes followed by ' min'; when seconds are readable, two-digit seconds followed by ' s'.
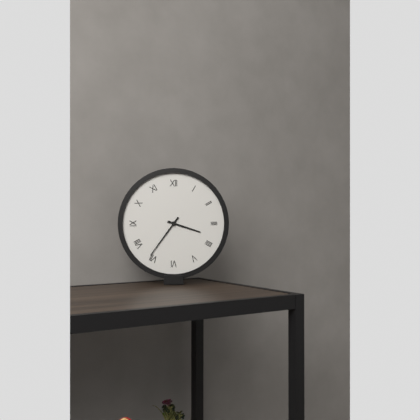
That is 3 h 36 min
